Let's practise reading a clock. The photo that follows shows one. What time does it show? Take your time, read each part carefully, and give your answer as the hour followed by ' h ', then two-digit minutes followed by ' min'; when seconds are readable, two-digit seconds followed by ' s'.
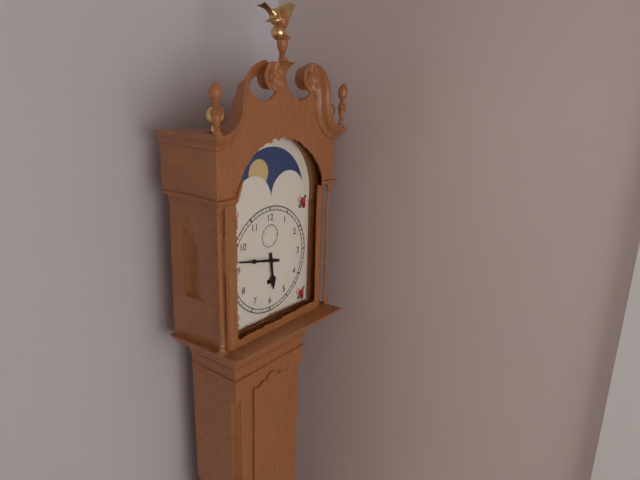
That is 5 h 47 min
